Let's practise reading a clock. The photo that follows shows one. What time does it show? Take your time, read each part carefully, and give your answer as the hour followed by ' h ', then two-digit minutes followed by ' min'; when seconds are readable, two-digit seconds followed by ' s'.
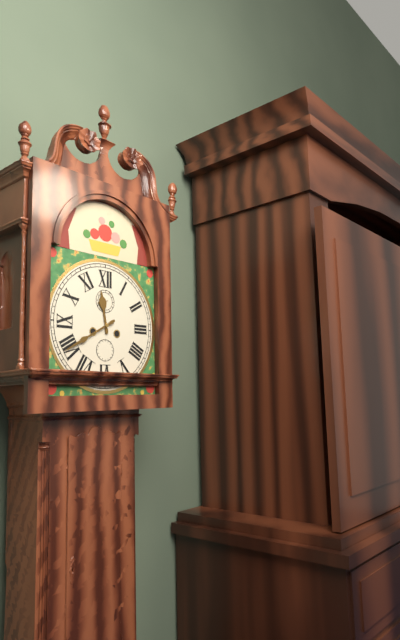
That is 11 h 40 min
